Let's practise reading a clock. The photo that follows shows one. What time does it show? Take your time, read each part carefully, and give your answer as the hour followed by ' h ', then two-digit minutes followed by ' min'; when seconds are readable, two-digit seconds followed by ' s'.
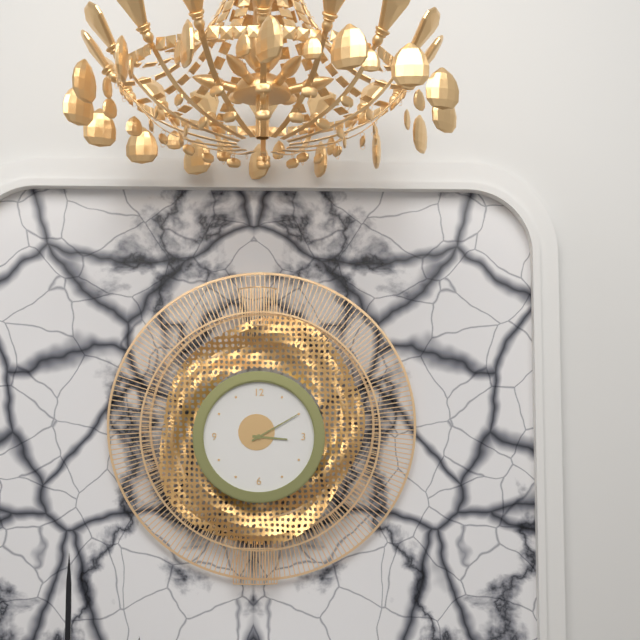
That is 3 h 10 min
